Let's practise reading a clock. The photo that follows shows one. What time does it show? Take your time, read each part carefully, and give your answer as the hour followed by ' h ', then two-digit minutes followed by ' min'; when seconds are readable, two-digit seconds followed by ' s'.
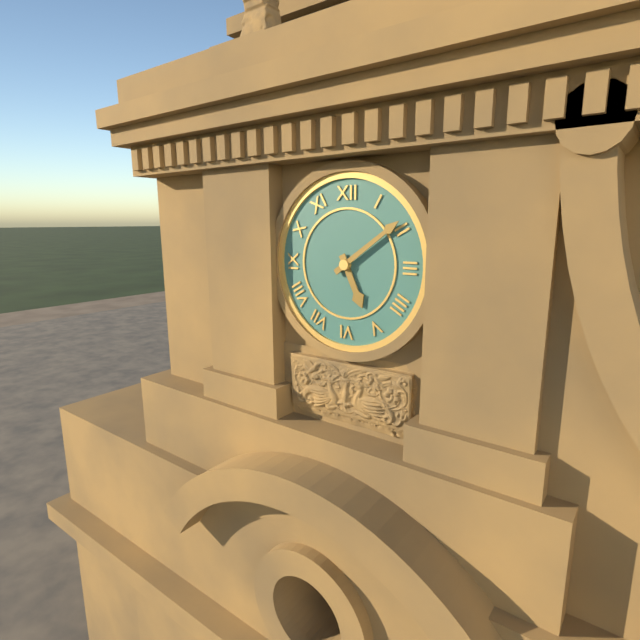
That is 5 h 09 min
